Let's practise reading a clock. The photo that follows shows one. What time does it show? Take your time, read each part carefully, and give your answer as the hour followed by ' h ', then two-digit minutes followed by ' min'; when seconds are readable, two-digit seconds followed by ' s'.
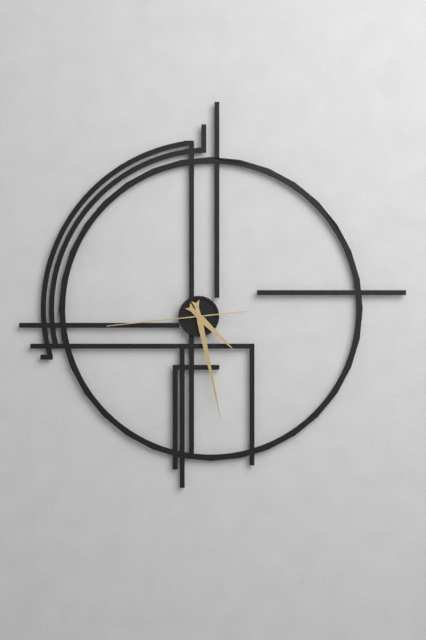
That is 4 h 28 min 44 s
